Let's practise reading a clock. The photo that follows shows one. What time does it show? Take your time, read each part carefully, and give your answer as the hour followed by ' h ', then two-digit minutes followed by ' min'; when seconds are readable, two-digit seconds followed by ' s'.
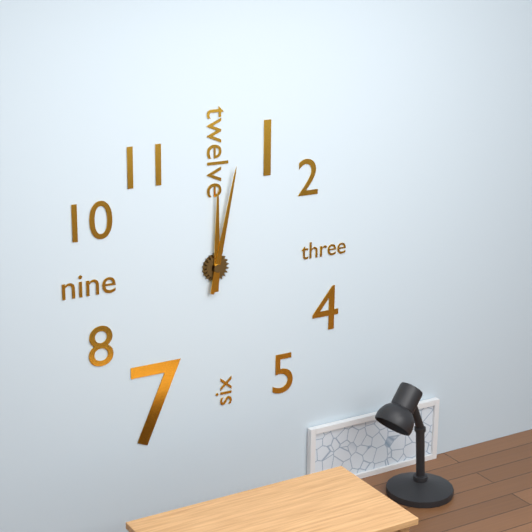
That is 12 h 02 min
